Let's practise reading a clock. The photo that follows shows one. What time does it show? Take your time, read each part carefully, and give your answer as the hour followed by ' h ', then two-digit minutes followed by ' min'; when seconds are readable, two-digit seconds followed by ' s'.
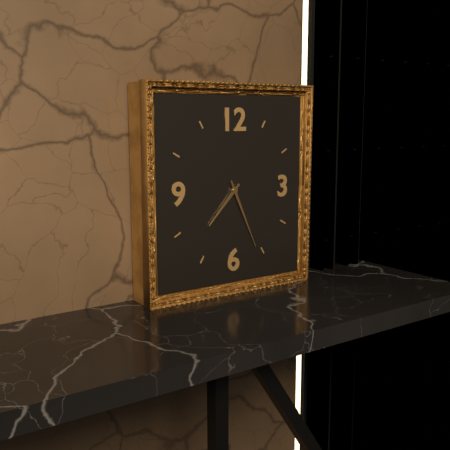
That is 7 h 26 min
